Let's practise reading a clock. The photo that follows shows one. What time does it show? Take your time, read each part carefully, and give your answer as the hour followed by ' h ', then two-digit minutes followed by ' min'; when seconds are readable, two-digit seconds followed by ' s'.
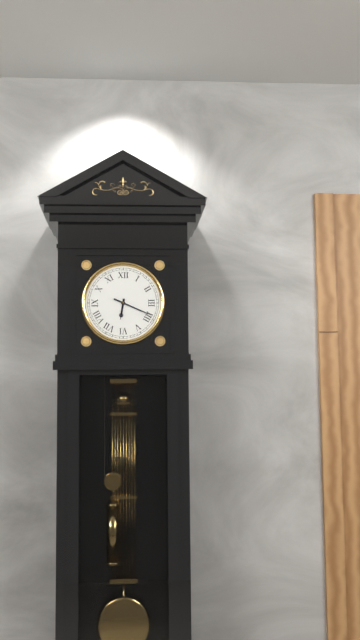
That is 6 h 19 min
